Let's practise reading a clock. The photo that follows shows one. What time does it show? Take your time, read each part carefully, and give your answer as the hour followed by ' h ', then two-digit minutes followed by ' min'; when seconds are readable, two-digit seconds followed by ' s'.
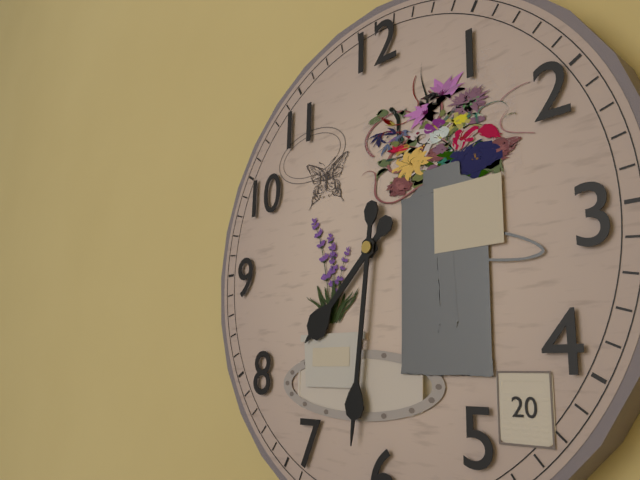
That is 7 h 31 min
